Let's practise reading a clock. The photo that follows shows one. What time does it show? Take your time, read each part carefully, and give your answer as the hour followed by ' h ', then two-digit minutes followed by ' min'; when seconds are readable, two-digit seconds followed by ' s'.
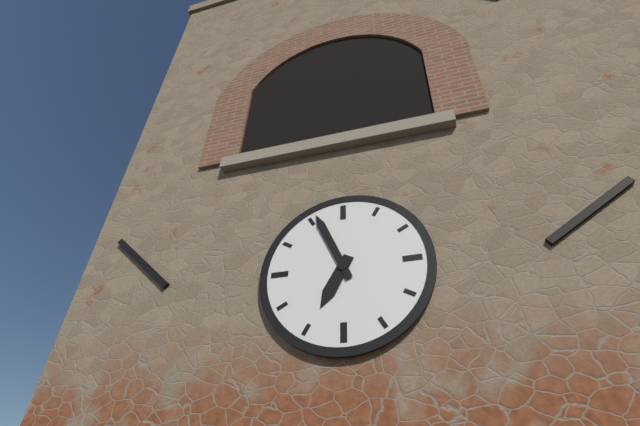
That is 6 h 56 min
